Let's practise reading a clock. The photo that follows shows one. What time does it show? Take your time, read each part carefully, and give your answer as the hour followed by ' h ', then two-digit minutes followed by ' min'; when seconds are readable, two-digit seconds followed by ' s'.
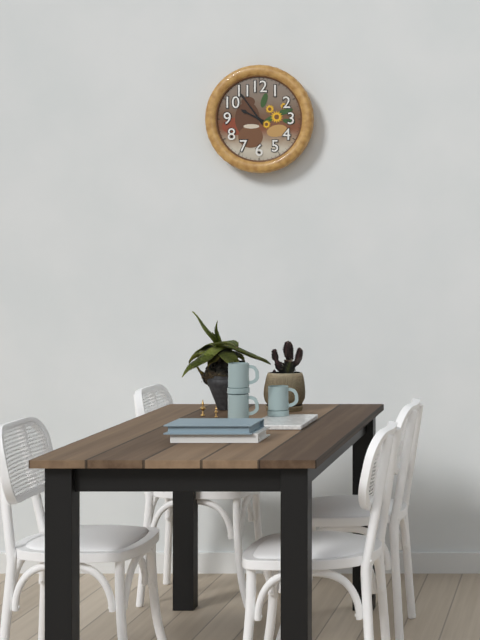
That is 9 h 54 min
